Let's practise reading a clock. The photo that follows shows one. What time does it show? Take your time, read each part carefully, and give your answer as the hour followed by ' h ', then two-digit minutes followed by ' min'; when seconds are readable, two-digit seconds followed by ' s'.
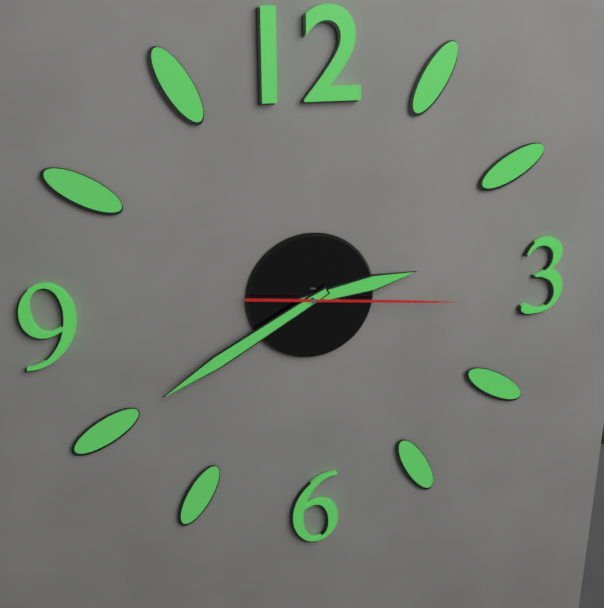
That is 2 h 40 min 16 s
